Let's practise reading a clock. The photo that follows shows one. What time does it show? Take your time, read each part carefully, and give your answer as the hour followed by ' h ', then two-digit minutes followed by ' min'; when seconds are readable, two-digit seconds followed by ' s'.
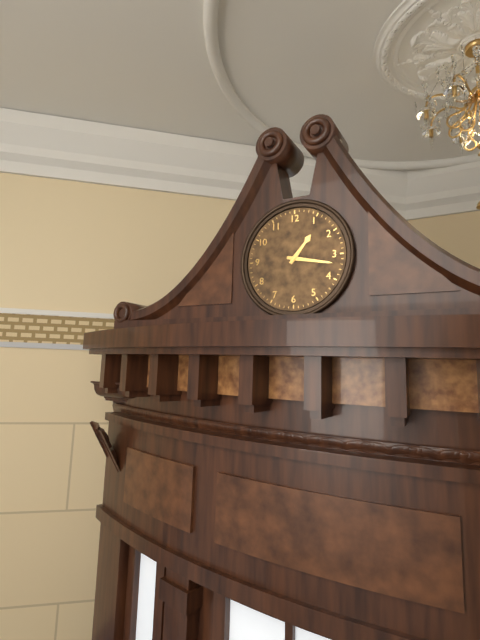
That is 1 h 17 min
